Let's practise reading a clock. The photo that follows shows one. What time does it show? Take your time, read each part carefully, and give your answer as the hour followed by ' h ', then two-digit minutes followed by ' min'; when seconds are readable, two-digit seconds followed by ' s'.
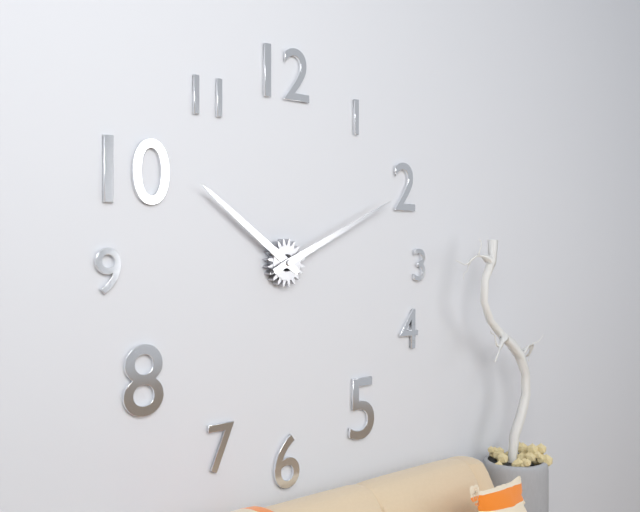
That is 10 h 11 min
